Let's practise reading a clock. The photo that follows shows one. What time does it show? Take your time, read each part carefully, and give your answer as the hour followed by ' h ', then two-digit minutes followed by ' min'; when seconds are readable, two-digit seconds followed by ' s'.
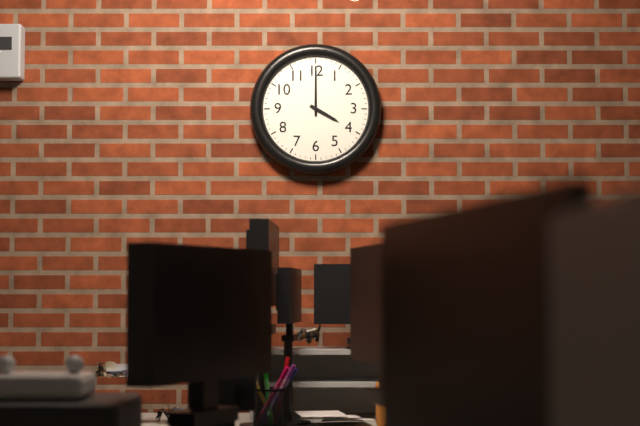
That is 4 h 00 min
